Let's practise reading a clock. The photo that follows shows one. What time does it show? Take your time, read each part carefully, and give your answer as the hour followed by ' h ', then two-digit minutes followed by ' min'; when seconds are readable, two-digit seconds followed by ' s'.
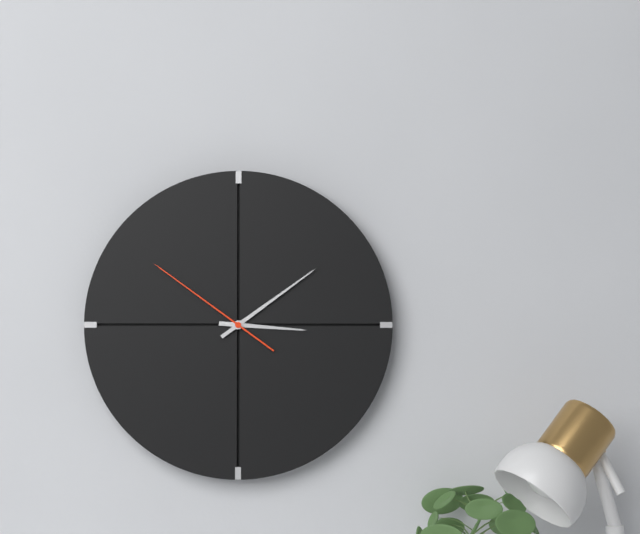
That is 3 h 09 min 51 s
